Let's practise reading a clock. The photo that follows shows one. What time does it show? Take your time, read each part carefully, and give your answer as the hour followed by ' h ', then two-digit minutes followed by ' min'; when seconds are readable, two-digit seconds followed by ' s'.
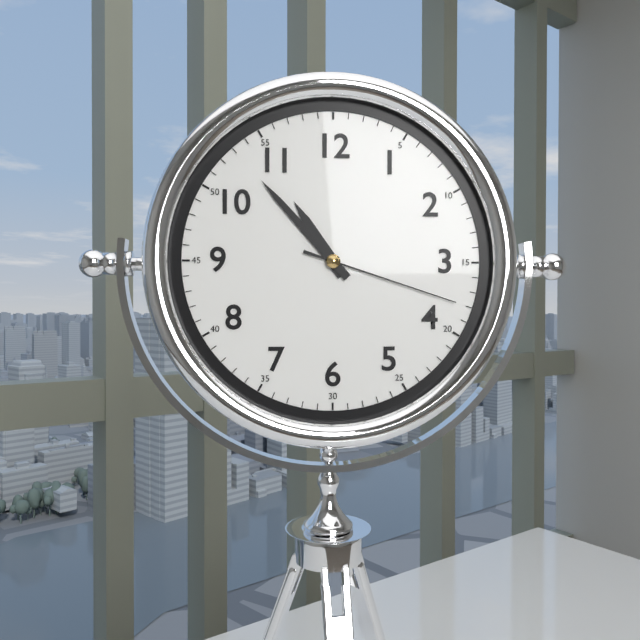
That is 10 h 53 min 18 s
